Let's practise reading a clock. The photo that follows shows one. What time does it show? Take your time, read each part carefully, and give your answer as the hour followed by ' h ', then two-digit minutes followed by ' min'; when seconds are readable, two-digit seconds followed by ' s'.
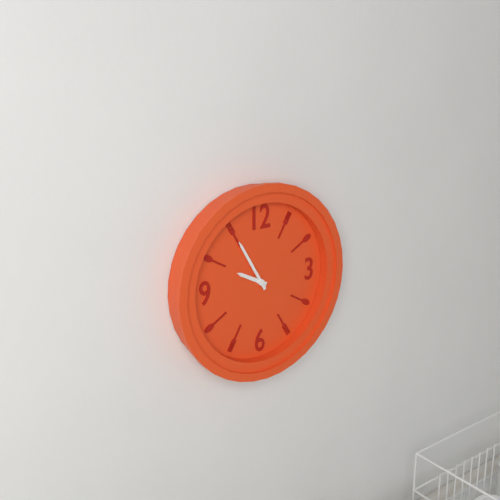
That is 9 h 55 min
